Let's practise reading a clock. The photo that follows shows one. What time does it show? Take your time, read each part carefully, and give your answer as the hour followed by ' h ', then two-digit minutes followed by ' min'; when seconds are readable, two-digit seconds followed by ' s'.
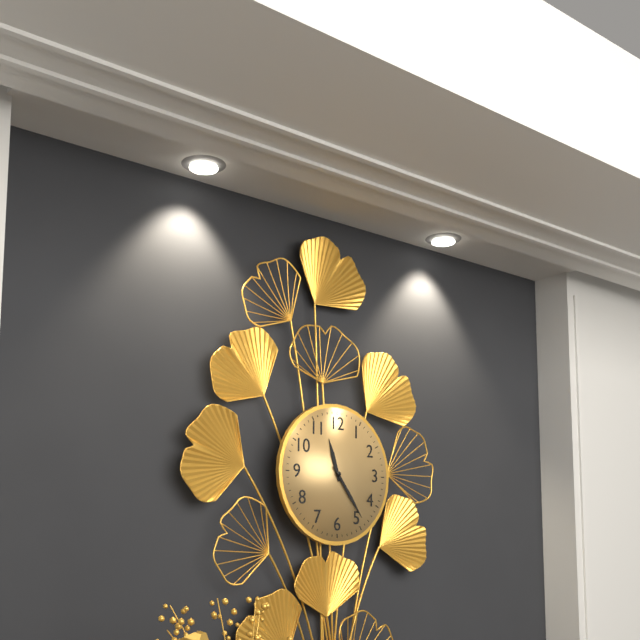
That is 11 h 24 min
